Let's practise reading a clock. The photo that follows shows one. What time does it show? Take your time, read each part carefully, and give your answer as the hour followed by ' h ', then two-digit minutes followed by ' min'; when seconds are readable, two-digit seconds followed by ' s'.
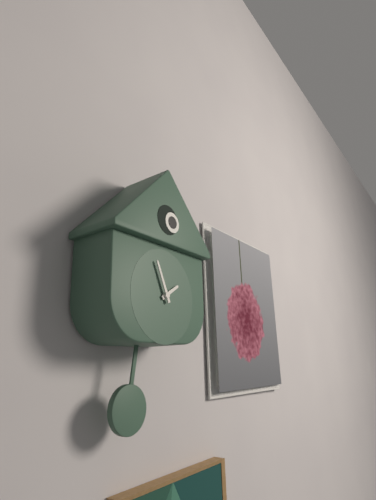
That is 1 h 56 min
